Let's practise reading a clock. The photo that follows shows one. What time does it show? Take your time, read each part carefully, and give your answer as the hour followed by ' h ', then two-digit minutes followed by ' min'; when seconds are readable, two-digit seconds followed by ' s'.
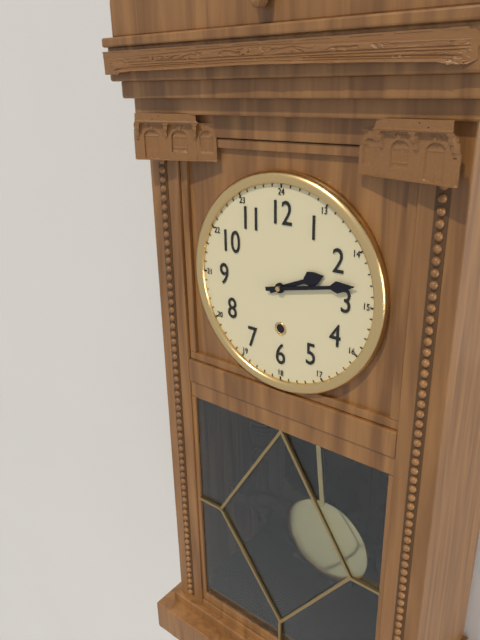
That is 2 h 13 min
